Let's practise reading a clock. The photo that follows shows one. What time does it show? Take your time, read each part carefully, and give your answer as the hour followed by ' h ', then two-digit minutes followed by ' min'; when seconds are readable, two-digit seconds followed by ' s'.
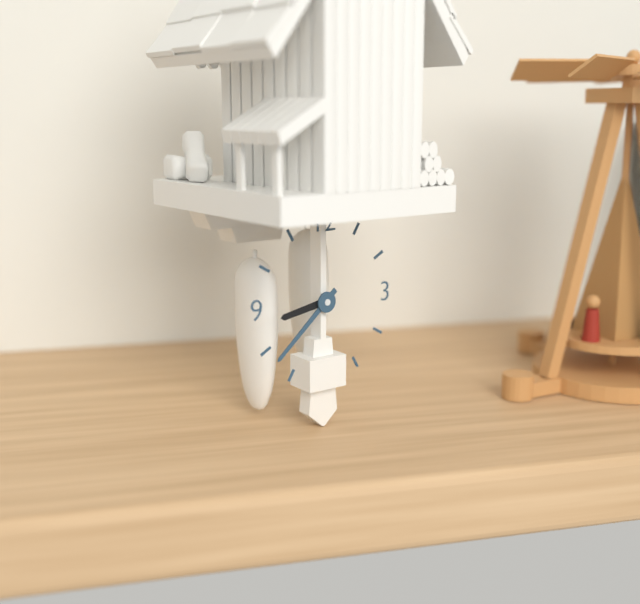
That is 8 h 38 min
